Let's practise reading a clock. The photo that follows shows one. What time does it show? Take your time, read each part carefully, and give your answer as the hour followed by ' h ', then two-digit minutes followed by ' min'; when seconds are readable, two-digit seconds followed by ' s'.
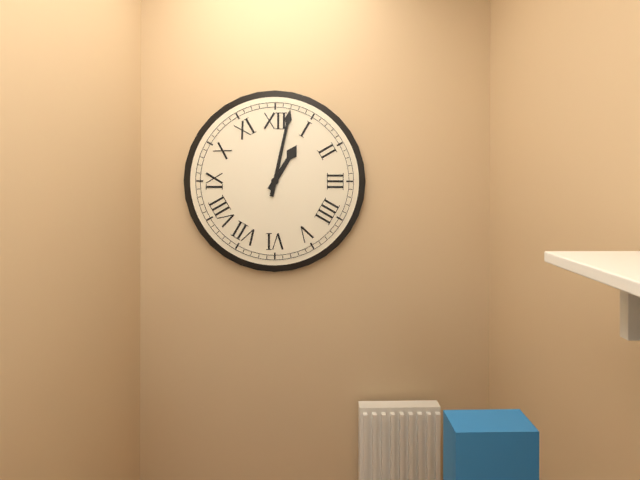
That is 1 h 02 min
